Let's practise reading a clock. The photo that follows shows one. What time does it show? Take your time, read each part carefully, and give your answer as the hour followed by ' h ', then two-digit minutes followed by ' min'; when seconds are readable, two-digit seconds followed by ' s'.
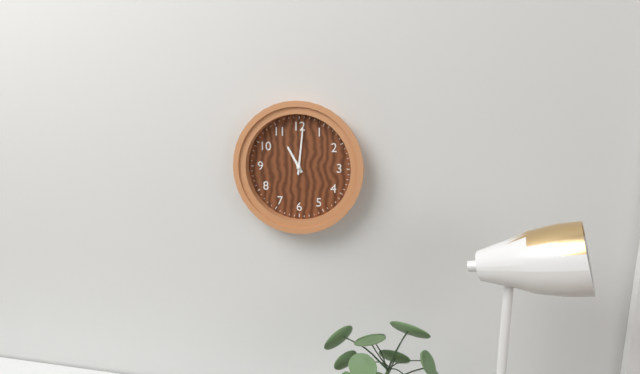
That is 11 h 01 min
